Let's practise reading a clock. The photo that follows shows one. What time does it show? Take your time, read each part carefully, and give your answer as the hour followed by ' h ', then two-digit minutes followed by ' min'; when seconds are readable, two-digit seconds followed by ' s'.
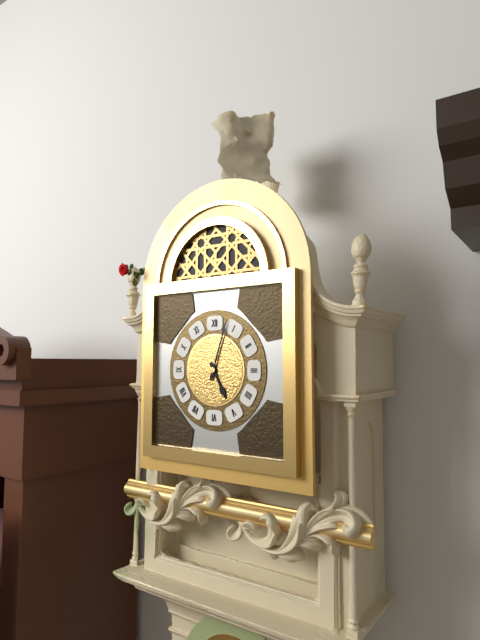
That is 5 h 03 min
